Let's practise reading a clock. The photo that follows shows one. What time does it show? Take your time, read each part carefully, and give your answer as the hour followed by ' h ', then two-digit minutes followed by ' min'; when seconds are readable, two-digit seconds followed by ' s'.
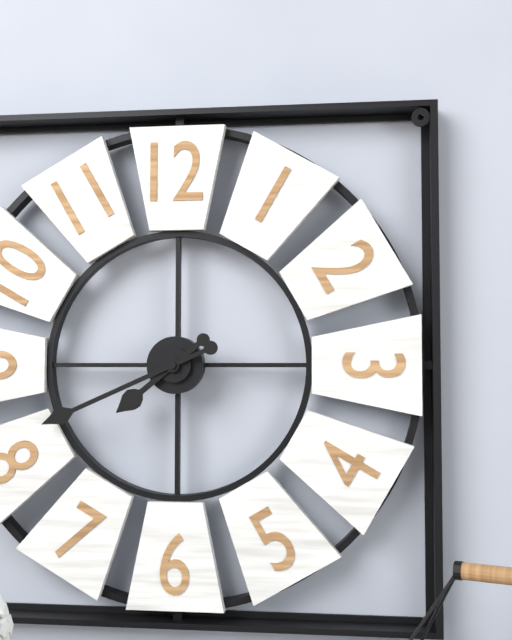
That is 7 h 41 min
